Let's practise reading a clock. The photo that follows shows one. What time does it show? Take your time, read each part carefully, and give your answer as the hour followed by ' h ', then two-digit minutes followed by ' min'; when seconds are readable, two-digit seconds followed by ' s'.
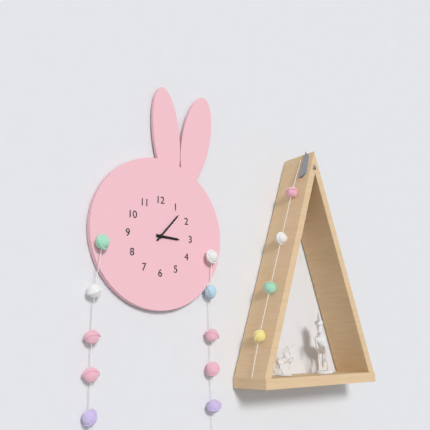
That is 3 h 07 min
